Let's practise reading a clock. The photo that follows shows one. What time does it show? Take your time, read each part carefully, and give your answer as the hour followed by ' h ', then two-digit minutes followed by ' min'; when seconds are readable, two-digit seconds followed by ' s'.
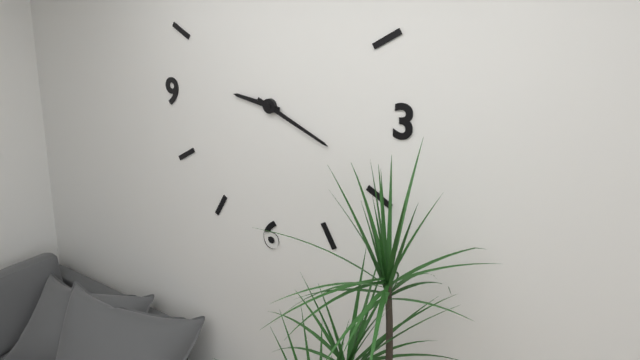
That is 9 h 19 min
